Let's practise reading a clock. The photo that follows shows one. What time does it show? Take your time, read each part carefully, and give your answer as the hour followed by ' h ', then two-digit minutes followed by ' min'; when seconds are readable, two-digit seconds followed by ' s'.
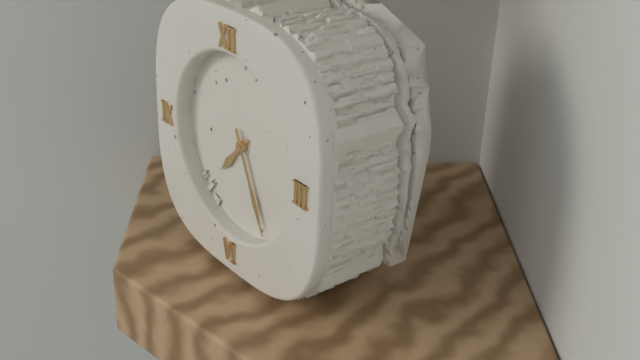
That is 7 h 26 min
